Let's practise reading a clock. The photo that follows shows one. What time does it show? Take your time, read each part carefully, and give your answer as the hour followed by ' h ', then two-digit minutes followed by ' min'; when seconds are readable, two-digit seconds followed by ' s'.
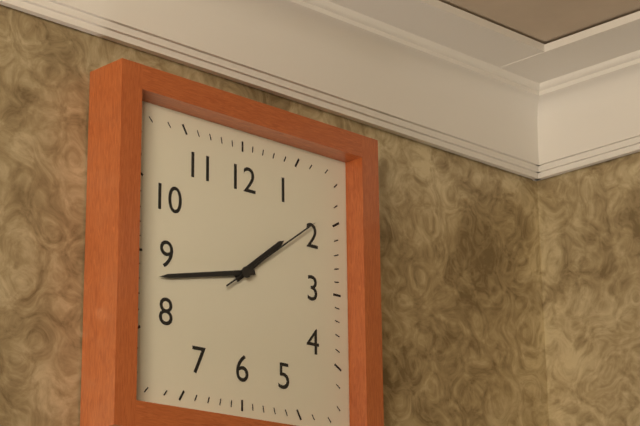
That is 1 h 43 min 09 s
